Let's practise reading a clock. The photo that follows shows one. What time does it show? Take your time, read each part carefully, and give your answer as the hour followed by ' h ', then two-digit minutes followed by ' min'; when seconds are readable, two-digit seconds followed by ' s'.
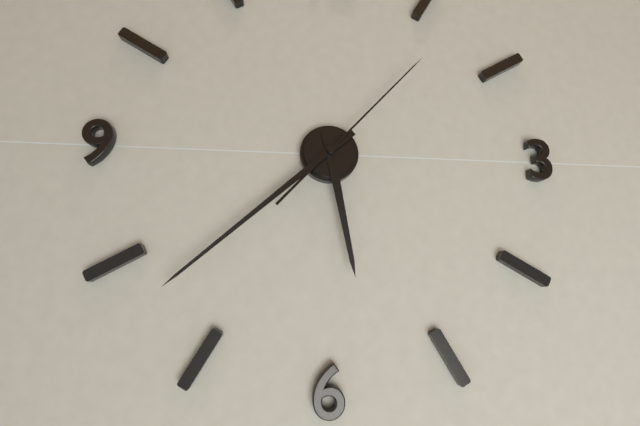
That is 5 h 38 min 07 s
